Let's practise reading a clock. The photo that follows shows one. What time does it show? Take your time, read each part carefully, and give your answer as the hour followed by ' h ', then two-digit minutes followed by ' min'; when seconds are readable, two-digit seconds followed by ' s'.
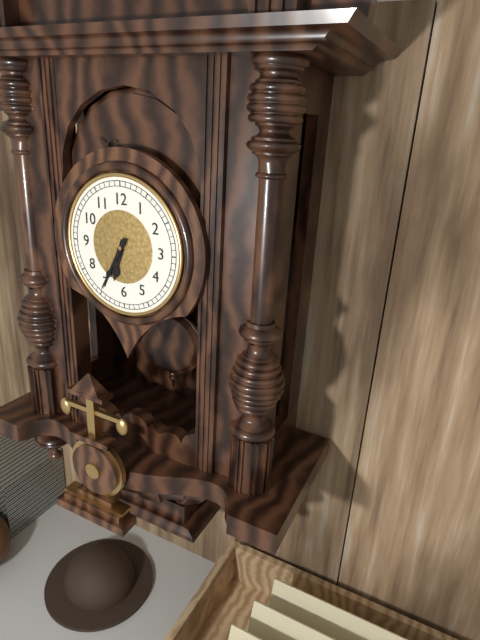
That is 6 h 35 min
